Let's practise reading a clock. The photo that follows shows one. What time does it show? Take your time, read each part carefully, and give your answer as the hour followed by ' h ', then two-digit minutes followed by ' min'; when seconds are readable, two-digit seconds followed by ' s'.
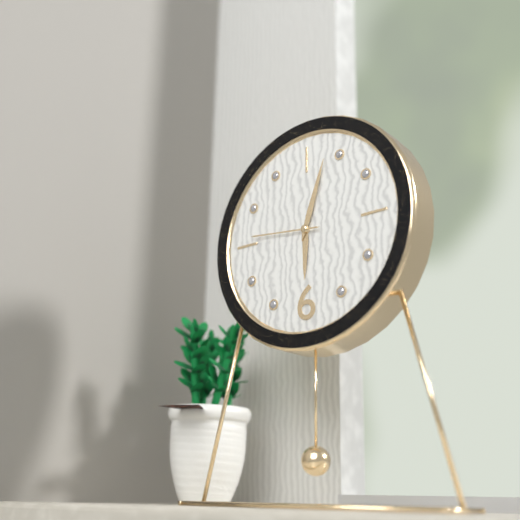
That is 6 h 03 min 46 s
